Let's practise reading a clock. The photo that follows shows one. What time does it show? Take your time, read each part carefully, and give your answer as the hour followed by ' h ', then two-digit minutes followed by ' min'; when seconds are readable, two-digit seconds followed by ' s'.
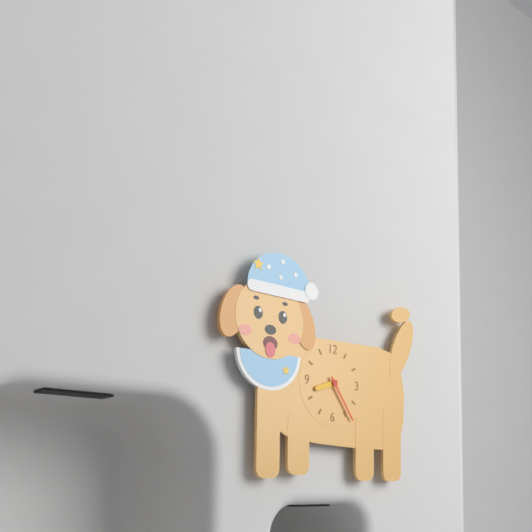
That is 8 h 24 min
